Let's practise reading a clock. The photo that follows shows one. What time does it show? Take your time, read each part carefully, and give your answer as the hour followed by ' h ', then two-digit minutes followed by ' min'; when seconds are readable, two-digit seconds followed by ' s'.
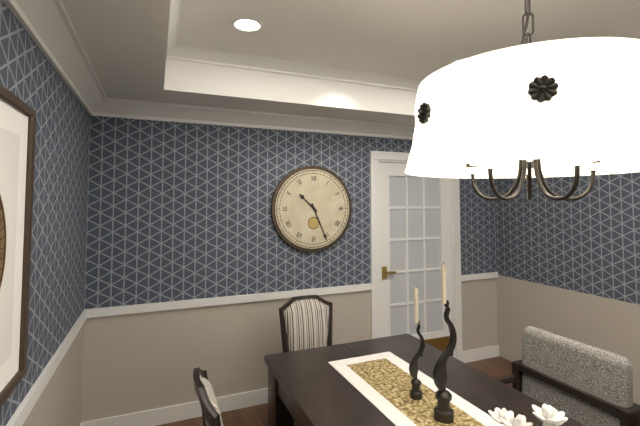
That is 10 h 26 min
